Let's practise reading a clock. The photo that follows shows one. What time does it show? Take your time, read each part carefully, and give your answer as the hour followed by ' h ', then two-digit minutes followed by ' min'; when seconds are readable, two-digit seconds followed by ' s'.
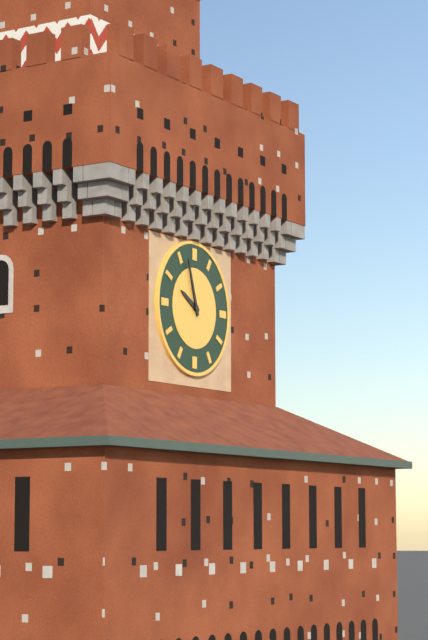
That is 9 h 57 min
